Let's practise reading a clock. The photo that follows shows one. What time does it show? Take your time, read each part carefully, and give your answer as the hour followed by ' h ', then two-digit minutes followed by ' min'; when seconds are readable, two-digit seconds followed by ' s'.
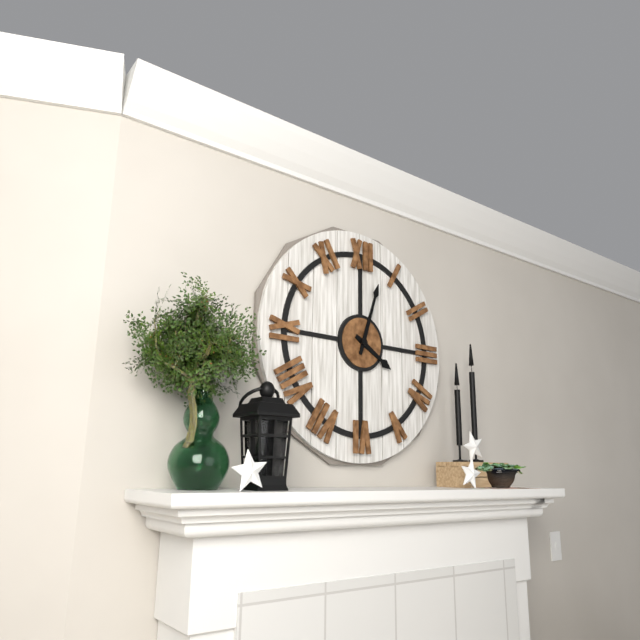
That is 4 h 03 min
